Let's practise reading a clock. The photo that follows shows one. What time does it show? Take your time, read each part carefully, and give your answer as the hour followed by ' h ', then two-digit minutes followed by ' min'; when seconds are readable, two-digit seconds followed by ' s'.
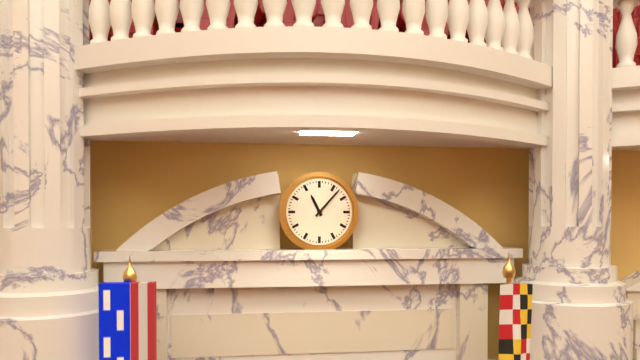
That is 11 h 07 min
